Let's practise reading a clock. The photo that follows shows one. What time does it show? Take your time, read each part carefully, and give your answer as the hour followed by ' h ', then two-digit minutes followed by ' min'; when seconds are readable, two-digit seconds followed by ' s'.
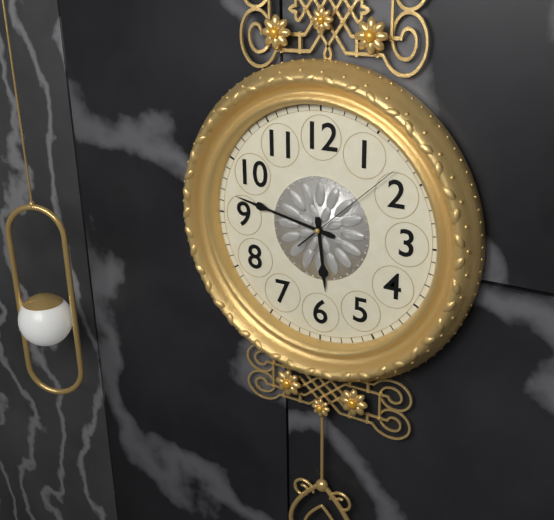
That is 5 h 47 min 08 s
